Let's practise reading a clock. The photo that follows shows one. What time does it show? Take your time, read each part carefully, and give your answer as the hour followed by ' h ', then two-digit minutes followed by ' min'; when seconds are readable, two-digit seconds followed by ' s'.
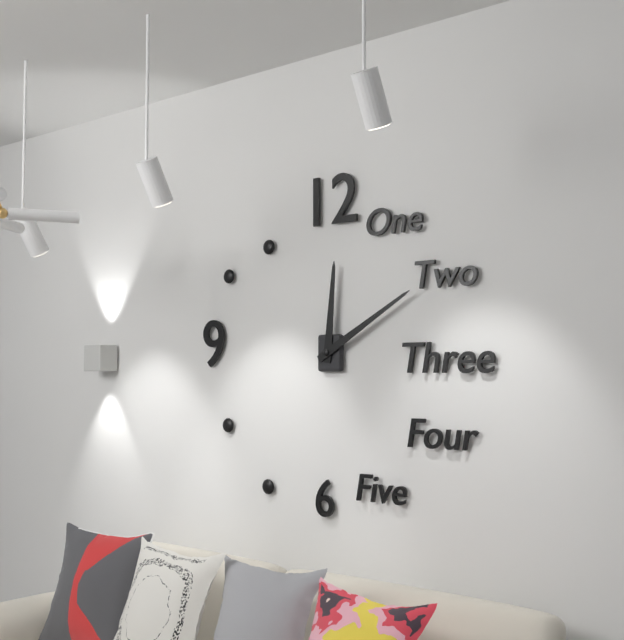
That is 12 h 10 min
